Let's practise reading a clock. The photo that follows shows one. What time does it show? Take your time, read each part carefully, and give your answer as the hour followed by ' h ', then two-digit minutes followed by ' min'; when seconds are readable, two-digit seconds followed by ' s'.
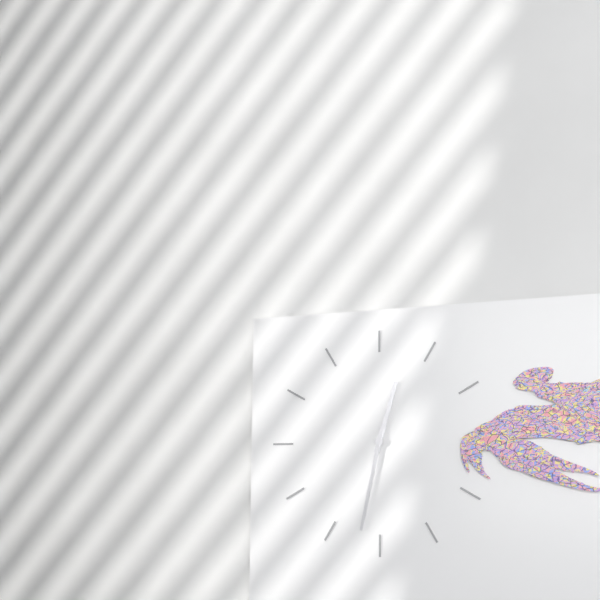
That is 12 h 32 min
